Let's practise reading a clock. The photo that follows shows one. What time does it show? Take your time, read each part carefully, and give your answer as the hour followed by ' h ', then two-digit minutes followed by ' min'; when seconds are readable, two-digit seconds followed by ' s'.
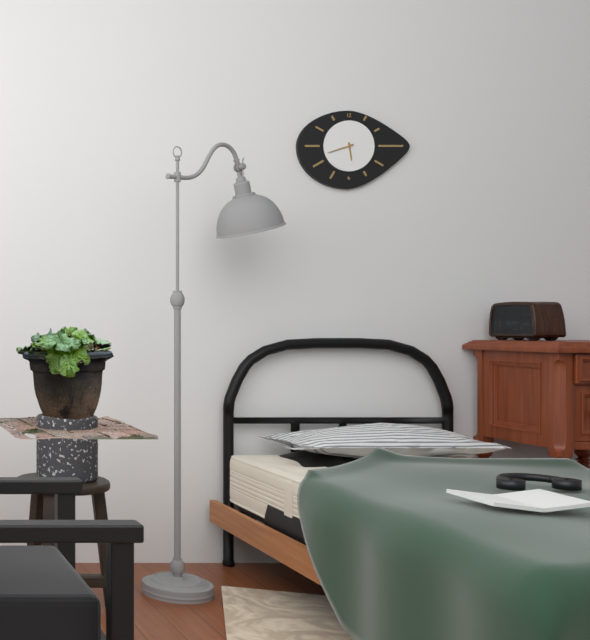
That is 5 h 42 min
